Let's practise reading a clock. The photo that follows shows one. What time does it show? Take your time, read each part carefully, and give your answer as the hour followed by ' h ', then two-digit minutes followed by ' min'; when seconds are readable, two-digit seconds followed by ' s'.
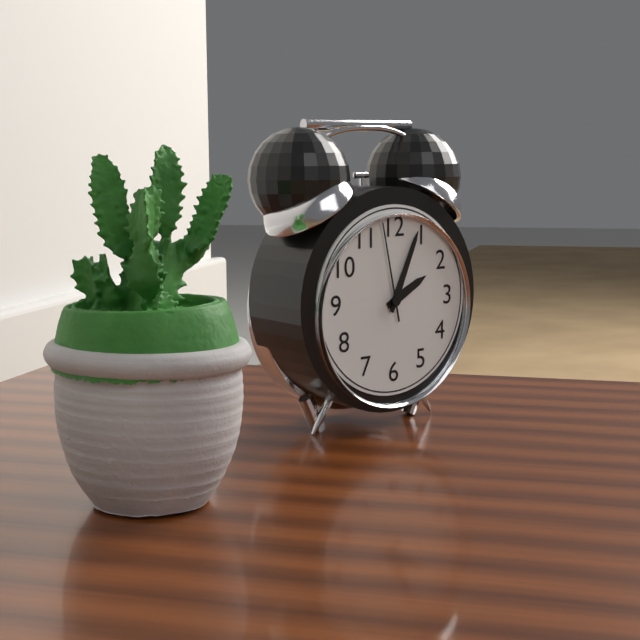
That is 2 h 04 min 58 s
